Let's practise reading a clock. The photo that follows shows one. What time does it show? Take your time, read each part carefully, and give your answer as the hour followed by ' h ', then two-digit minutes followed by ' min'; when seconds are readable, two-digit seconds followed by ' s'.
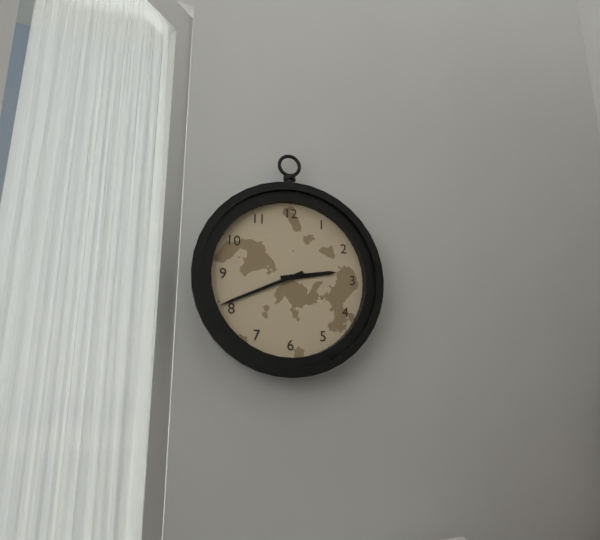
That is 2 h 41 min
